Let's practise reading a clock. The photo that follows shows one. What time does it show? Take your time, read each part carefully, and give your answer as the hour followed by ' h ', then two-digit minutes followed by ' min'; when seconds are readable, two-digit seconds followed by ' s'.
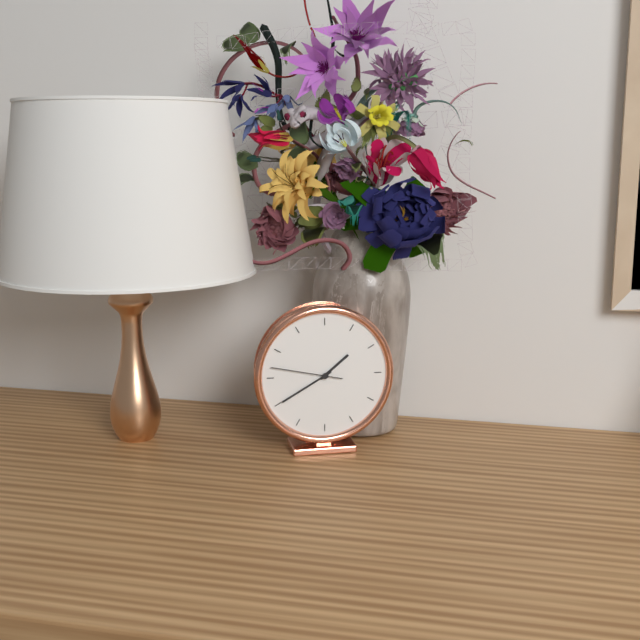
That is 1 h 40 min 47 s
